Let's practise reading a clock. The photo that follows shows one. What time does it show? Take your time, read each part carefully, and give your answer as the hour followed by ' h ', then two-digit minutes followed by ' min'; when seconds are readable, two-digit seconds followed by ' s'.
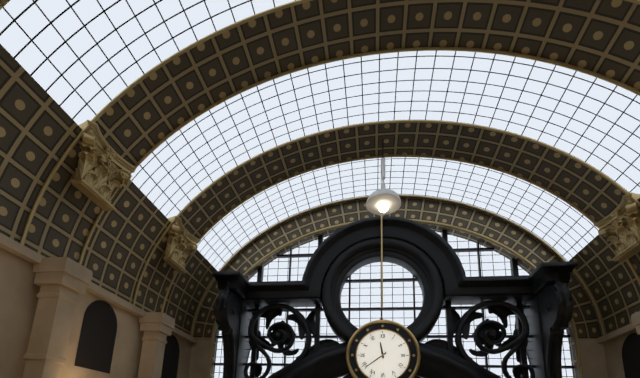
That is 11 h 39 min
